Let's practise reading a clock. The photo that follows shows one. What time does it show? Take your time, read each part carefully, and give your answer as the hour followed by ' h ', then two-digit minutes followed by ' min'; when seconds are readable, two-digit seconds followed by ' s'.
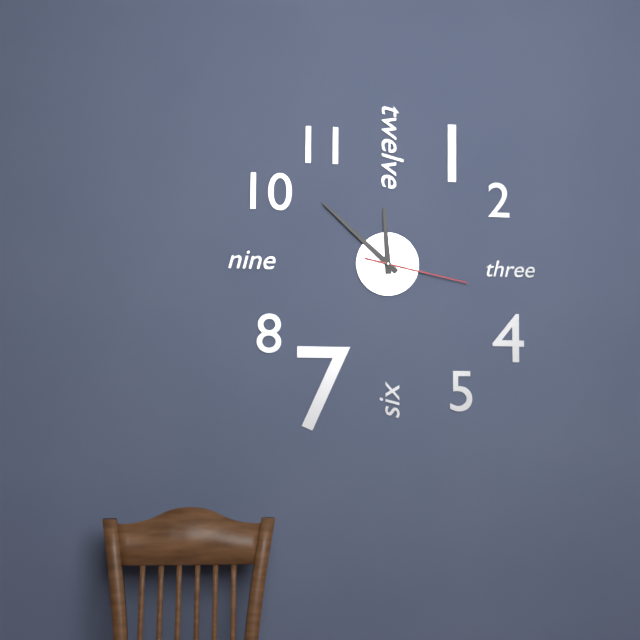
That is 11 h 52 min 17 s
